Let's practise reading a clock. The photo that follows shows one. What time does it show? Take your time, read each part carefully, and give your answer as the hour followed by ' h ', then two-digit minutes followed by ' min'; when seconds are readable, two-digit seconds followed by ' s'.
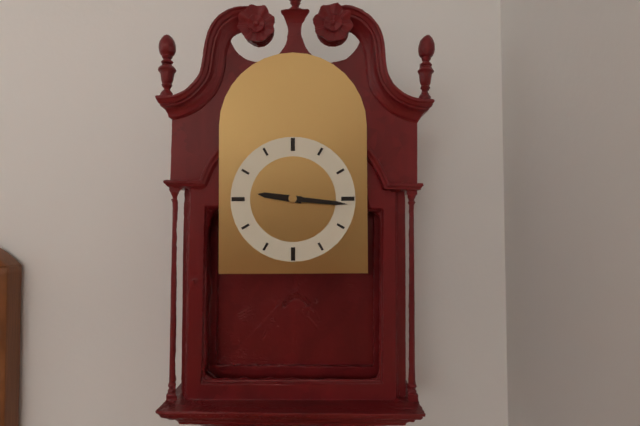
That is 9 h 16 min
